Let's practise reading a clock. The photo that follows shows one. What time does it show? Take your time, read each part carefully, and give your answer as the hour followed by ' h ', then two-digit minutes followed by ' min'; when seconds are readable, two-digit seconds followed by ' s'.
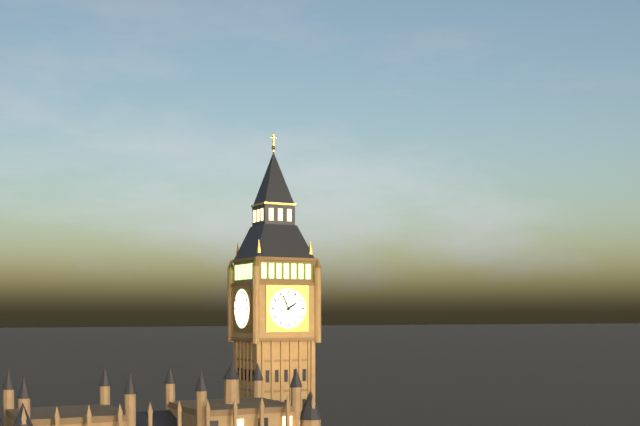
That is 1 h 56 min
